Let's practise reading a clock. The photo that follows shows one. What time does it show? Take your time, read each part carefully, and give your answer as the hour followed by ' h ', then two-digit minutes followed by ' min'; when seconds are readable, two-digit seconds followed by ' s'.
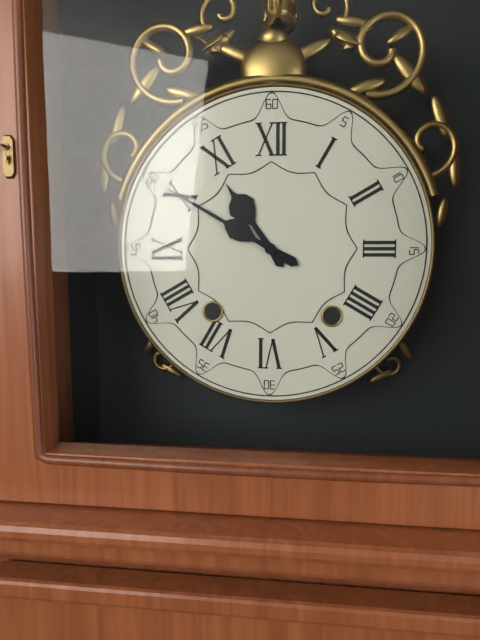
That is 10 h 50 min
